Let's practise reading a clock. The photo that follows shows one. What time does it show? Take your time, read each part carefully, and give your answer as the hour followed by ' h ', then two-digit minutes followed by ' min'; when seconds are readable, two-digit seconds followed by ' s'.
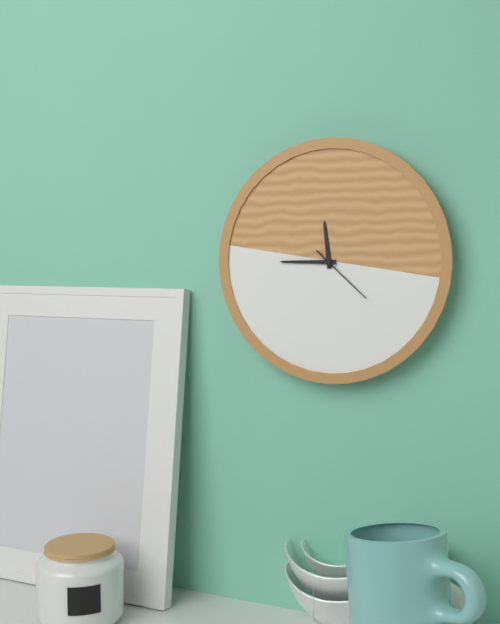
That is 11 h 45 min 22 s
